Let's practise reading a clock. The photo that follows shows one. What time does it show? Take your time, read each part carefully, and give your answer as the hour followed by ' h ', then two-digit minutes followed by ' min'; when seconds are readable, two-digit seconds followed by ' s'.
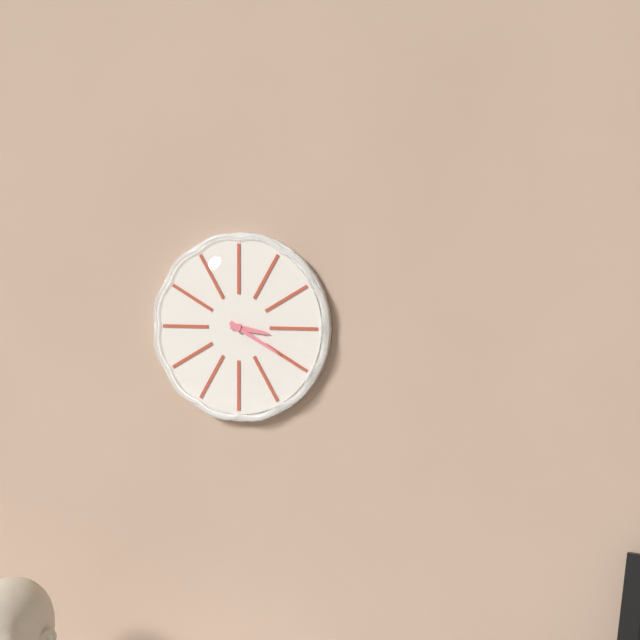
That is 3 h 20 min
